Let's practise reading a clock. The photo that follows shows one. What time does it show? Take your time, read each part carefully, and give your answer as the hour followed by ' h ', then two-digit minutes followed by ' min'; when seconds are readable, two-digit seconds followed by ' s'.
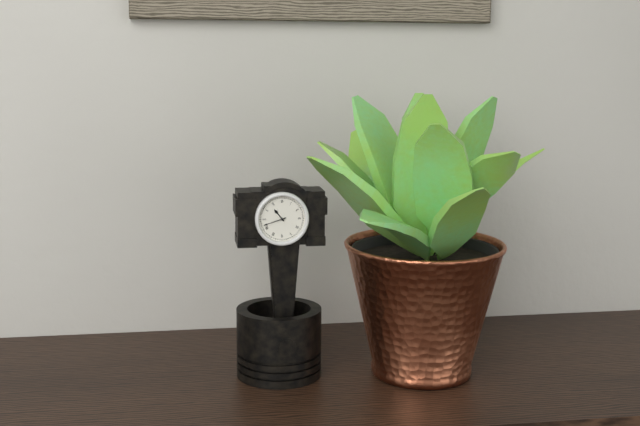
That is 10 h 42 min
